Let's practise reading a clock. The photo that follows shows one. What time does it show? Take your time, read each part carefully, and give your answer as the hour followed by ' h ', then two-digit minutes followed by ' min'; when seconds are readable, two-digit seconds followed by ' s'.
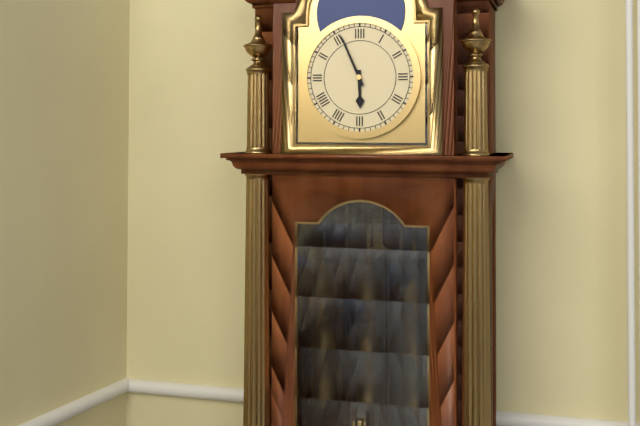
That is 5 h 56 min
